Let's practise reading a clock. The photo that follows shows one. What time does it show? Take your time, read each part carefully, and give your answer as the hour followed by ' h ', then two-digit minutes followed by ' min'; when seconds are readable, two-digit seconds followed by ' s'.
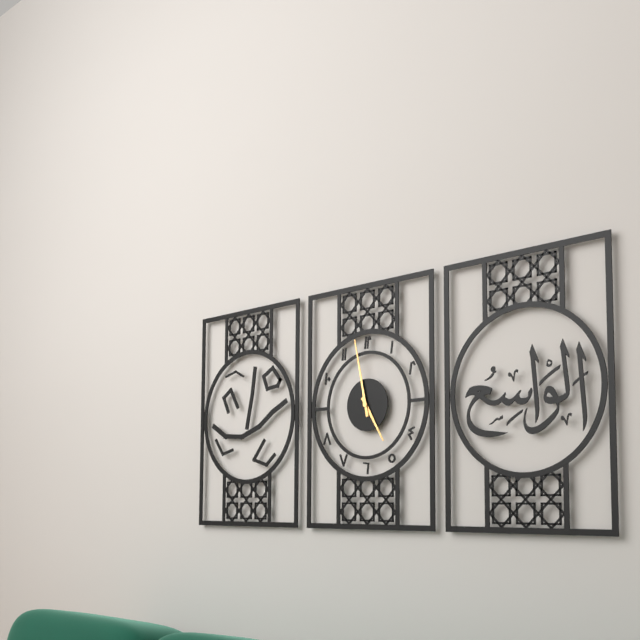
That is 4 h 58 min
